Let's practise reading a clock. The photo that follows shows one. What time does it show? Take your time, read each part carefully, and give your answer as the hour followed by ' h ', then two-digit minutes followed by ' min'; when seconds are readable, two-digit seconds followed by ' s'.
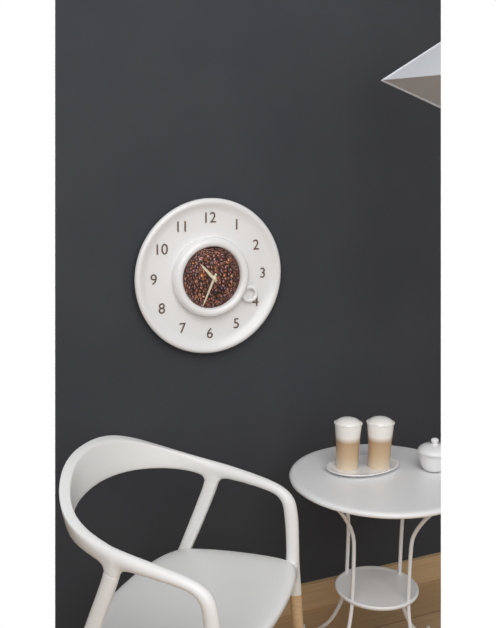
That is 10 h 34 min
